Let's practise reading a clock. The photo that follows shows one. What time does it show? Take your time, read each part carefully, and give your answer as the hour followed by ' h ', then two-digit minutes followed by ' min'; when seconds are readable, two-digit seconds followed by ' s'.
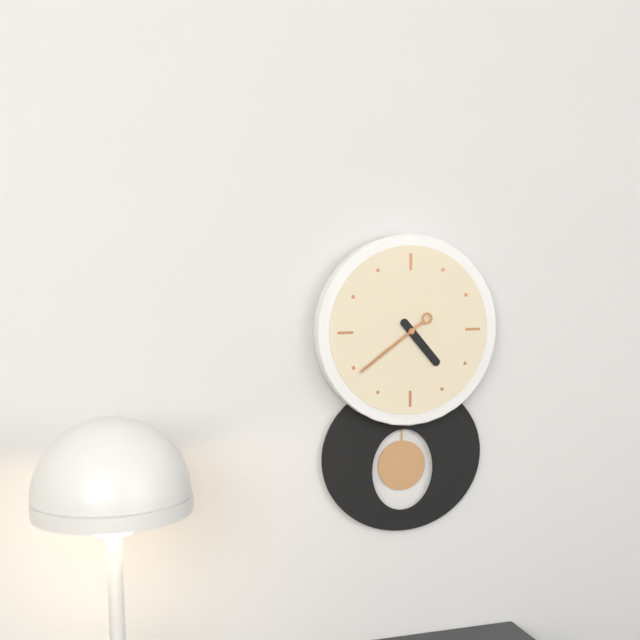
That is 4 h 39 min
